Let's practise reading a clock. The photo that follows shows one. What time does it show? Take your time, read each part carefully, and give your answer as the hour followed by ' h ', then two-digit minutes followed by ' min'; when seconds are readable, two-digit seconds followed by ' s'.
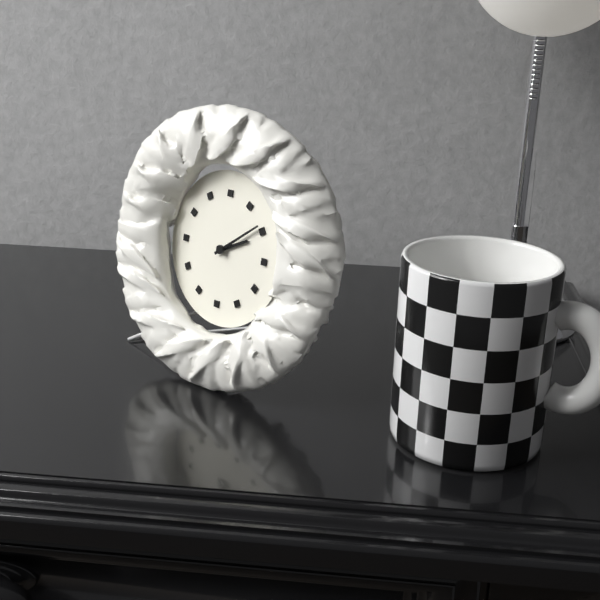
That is 2 h 09 min
